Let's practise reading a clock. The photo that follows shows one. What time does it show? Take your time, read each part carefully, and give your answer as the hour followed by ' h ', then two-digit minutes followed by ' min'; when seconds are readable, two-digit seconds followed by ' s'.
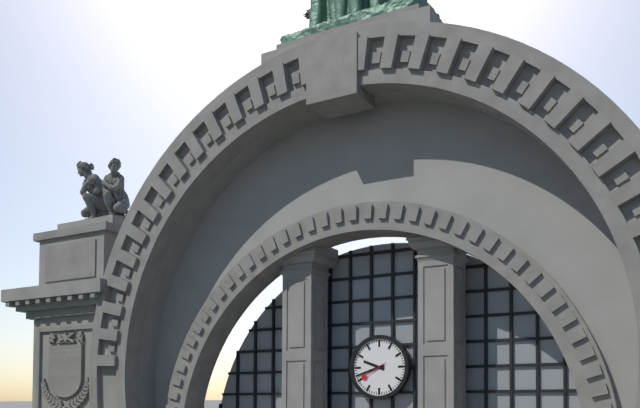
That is 9 h 42 min
